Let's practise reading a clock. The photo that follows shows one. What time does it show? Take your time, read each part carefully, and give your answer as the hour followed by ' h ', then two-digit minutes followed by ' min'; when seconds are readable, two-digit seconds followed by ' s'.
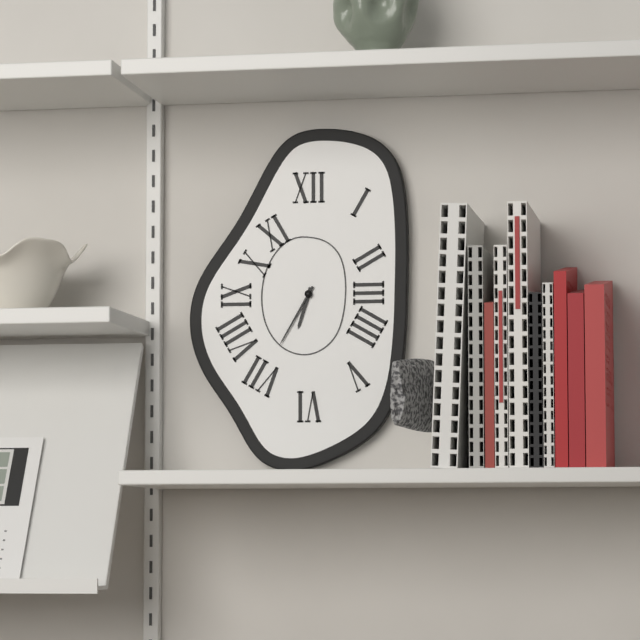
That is 6 h 35 min
